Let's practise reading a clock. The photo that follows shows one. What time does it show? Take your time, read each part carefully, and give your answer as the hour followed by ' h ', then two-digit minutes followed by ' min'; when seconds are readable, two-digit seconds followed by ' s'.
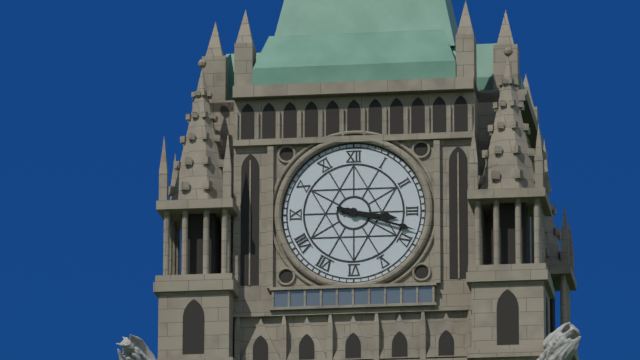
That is 3 h 18 min
